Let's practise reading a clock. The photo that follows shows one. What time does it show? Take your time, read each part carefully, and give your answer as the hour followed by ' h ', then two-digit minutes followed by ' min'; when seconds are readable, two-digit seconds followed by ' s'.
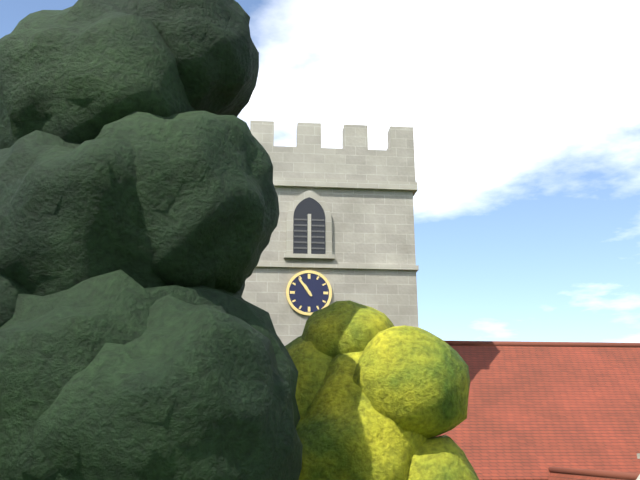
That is 10 h 54 min
